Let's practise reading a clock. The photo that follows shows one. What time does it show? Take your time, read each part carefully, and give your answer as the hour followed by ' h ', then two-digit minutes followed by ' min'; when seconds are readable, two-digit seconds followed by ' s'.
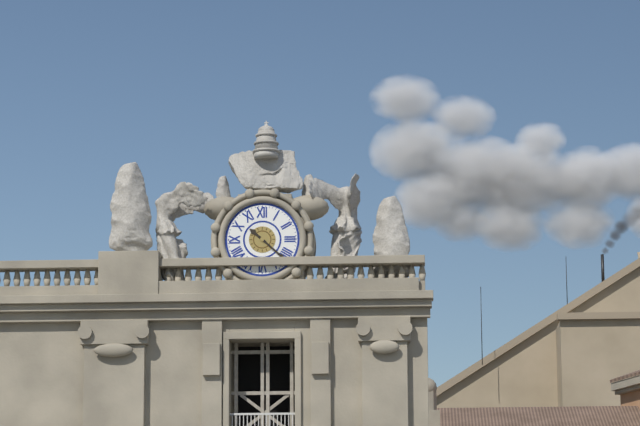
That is 10 h 22 min
